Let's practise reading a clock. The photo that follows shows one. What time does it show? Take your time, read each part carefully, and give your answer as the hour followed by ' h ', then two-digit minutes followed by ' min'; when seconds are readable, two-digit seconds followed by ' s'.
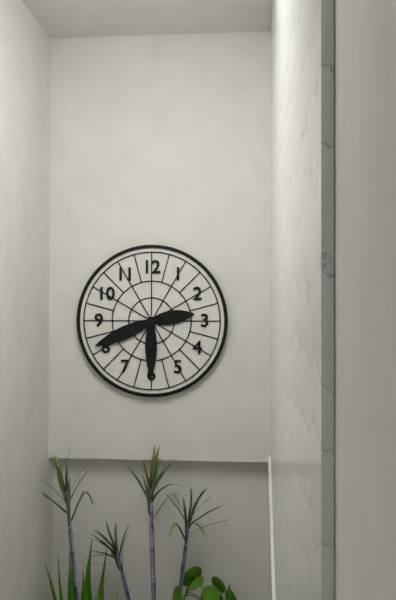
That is 2 h 41 min 30 s
